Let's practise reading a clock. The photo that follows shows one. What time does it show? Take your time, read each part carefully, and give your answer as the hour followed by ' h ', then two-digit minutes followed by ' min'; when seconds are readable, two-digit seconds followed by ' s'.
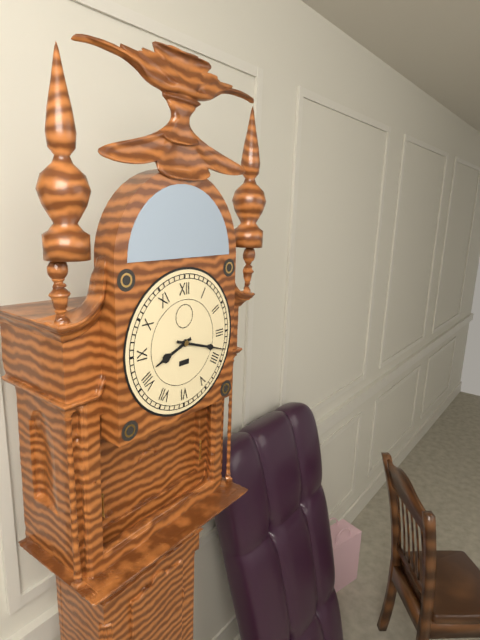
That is 8 h 18 min
